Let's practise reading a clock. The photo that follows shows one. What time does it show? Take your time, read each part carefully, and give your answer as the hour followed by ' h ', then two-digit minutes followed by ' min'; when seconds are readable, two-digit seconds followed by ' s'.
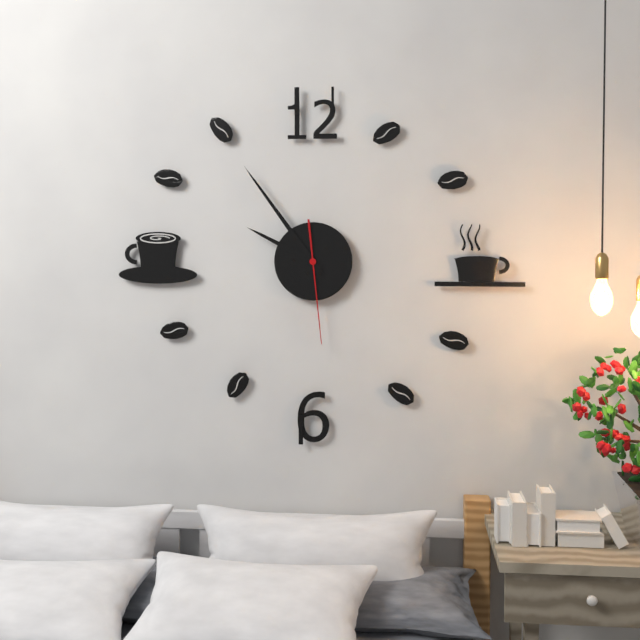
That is 9 h 54 min 29 s
